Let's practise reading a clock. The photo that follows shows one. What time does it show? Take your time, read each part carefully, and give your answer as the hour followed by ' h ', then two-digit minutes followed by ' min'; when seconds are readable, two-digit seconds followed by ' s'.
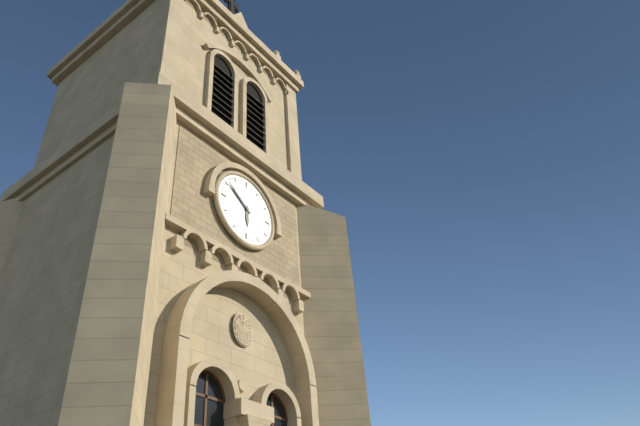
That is 5 h 51 min
